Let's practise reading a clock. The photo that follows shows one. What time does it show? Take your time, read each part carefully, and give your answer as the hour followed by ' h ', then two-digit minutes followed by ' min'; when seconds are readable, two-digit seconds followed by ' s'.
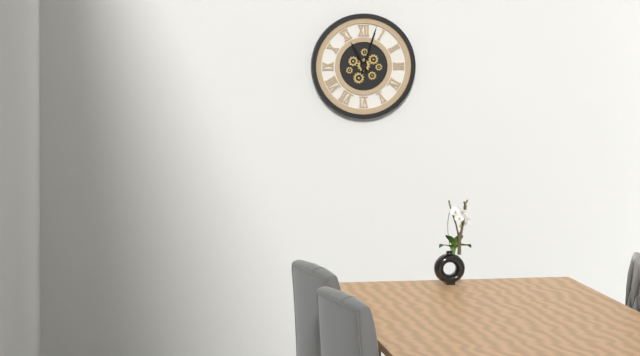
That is 11 h 03 min
